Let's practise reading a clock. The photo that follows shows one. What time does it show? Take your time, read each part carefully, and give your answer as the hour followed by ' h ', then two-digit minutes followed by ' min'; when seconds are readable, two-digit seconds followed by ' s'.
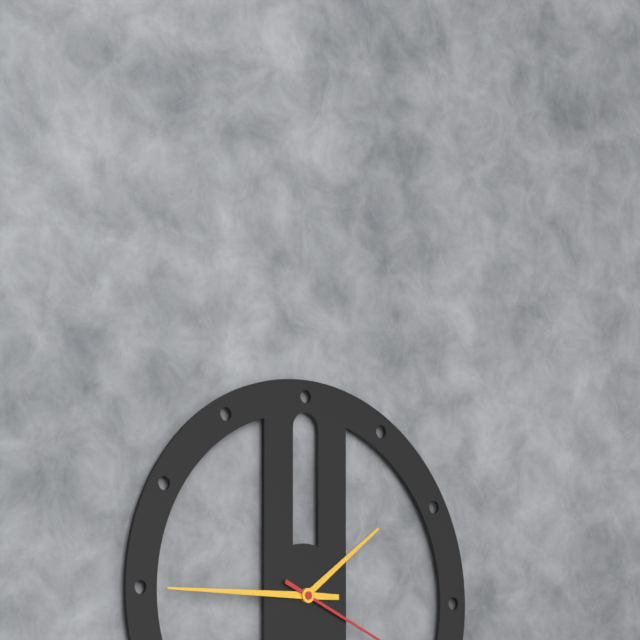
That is 1 h 45 min
